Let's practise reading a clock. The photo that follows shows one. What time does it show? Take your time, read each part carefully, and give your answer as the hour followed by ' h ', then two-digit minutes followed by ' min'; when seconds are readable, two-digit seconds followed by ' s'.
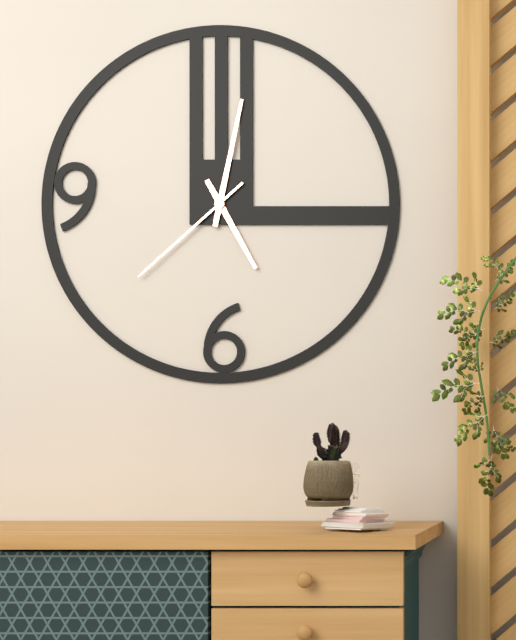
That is 5 h 02 min 38 s
